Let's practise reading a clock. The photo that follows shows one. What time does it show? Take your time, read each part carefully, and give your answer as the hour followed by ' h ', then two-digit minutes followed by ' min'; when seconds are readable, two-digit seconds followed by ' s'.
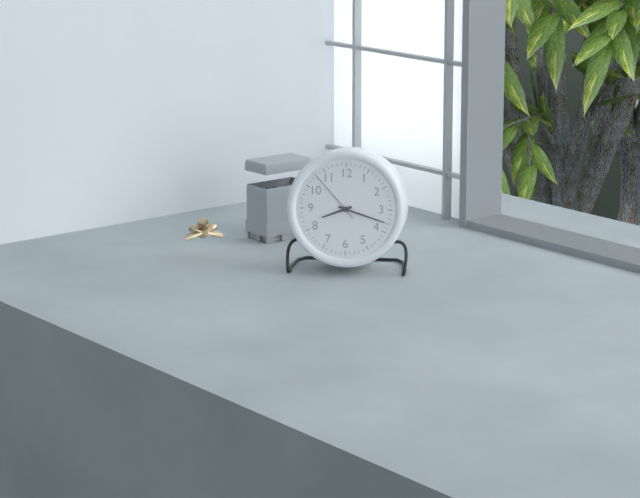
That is 8 h 18 min 53 s
